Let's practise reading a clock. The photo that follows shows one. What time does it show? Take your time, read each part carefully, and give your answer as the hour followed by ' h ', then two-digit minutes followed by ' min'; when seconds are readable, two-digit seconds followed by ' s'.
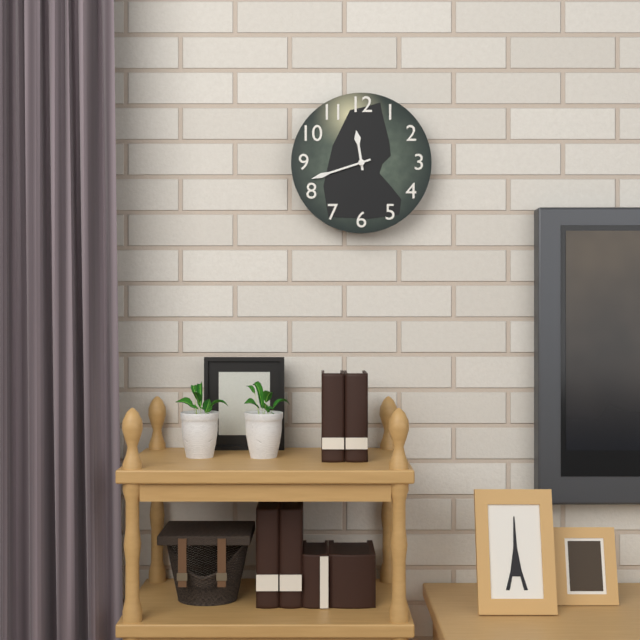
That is 11 h 42 min
